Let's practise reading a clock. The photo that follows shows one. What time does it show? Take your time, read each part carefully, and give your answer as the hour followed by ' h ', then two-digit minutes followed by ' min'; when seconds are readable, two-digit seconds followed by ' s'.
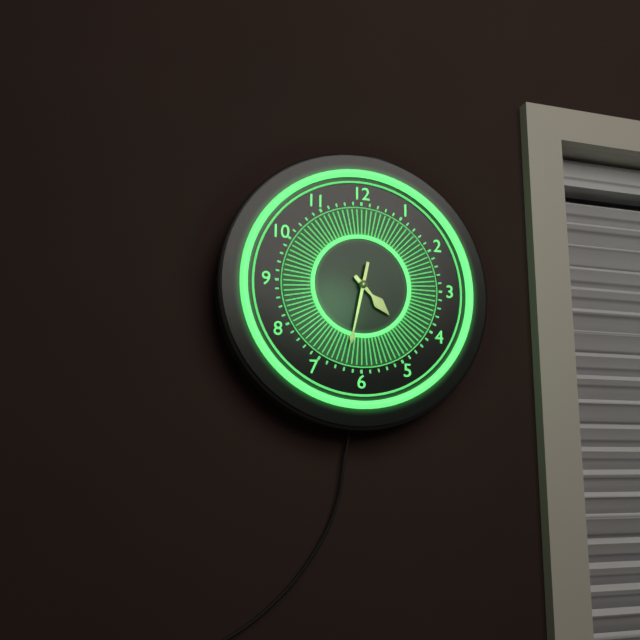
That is 4 h 32 min
